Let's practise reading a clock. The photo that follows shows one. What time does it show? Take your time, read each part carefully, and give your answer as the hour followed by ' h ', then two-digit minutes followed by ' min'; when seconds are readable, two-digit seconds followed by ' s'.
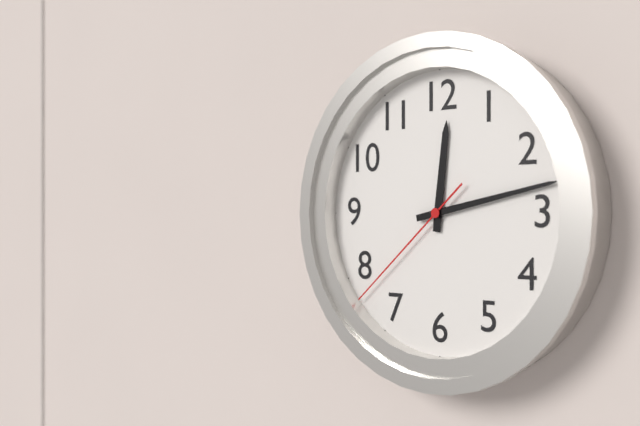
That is 12 h 13 min 38 s
